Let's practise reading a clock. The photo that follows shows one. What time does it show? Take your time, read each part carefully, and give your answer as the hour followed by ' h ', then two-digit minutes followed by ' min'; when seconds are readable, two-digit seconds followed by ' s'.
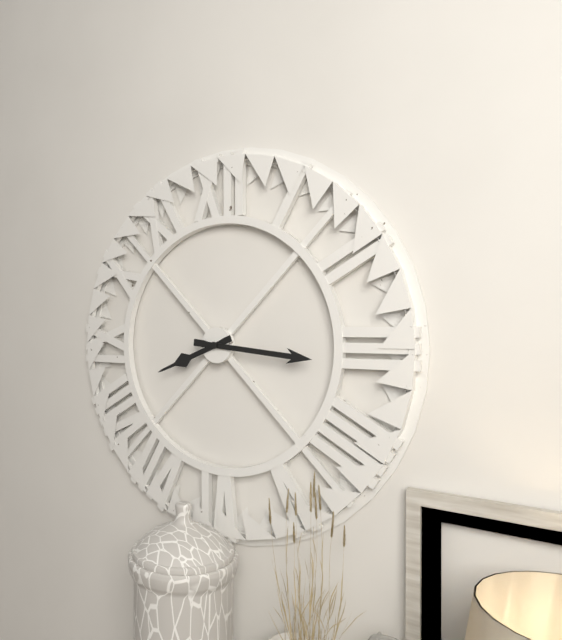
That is 8 h 16 min
